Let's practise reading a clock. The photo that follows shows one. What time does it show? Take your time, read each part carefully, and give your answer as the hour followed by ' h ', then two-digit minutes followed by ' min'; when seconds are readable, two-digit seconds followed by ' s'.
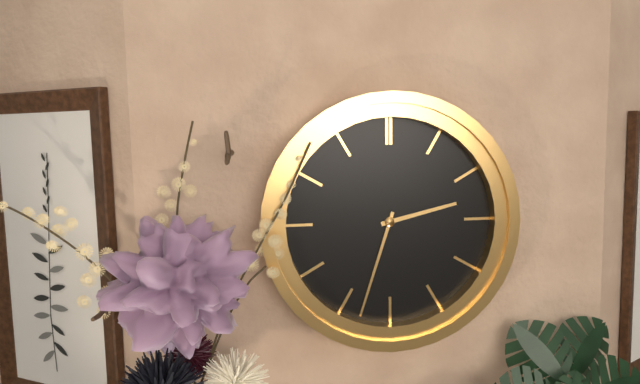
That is 2 h 33 min
